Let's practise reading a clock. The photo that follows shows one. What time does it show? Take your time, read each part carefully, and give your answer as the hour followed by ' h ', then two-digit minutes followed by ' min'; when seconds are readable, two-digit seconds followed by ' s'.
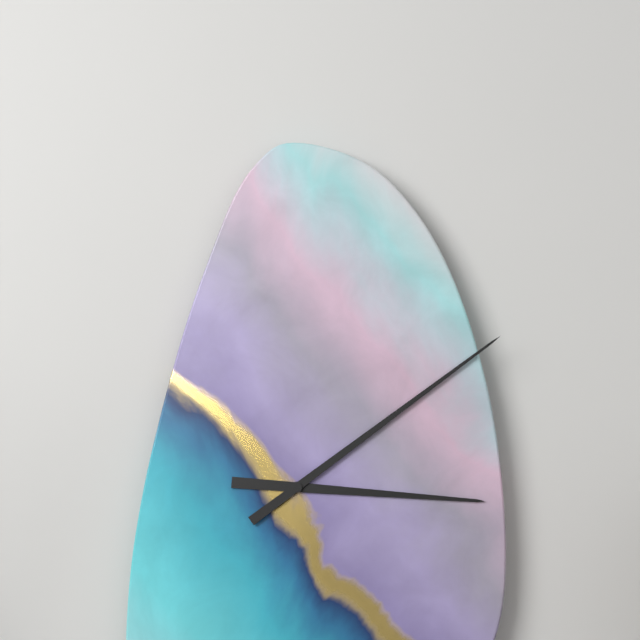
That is 3 h 09 min
